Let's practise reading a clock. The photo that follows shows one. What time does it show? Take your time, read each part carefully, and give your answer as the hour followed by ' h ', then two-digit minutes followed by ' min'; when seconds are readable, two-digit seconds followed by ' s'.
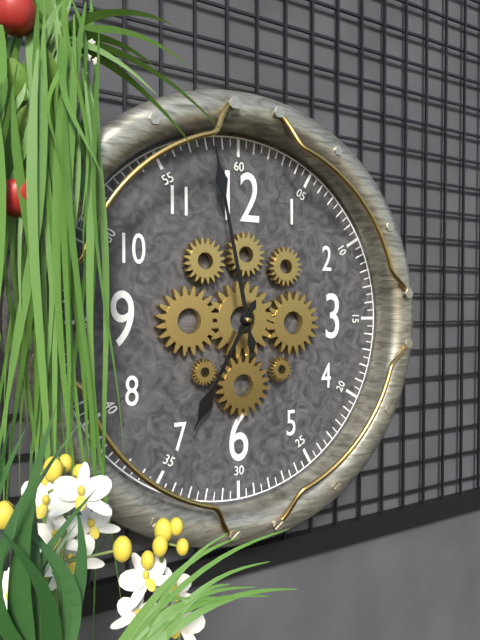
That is 6 h 58 min
